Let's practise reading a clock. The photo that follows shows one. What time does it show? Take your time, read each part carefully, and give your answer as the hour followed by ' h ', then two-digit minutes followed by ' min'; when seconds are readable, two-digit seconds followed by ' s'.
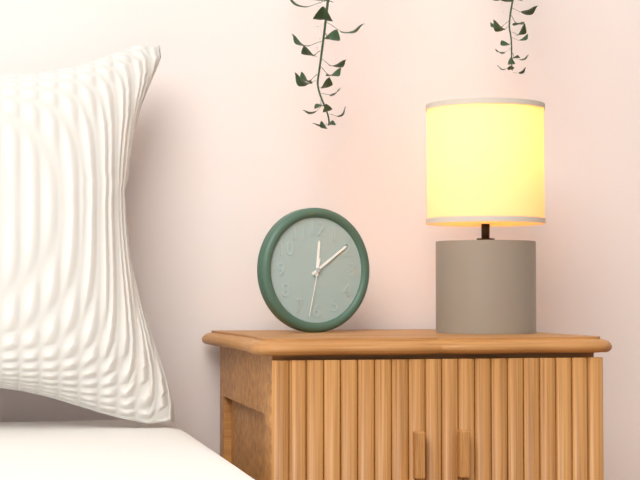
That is 12 h 09 min 32 s
